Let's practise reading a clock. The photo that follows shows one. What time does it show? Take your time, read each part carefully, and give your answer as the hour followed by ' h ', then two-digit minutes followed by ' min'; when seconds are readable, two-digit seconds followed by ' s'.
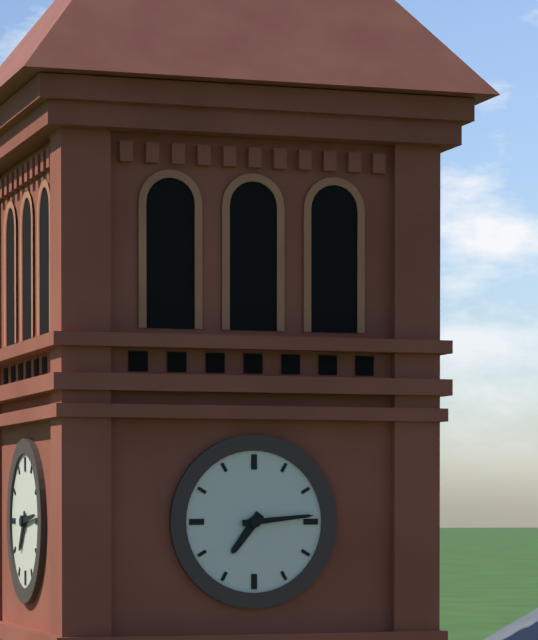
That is 7 h 14 min
